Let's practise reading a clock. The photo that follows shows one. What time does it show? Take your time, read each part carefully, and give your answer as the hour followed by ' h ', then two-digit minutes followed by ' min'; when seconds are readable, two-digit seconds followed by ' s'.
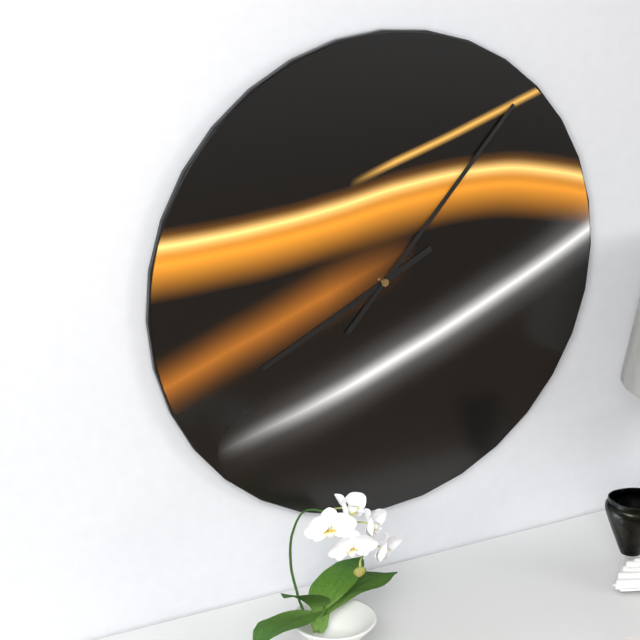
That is 8 h 07 min
